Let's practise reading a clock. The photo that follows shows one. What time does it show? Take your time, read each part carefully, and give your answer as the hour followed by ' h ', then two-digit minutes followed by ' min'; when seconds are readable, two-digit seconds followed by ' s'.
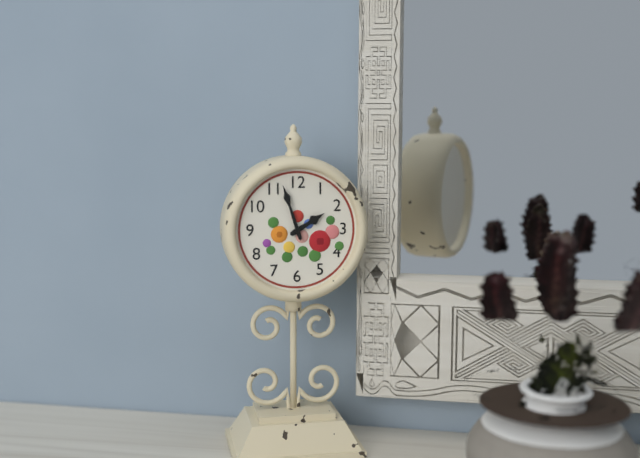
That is 1 h 57 min
